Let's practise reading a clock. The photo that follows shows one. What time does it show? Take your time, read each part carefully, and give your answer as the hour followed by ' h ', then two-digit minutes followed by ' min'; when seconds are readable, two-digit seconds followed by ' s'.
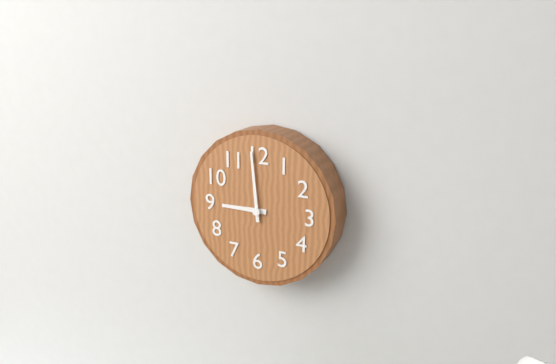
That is 8 h 59 min
